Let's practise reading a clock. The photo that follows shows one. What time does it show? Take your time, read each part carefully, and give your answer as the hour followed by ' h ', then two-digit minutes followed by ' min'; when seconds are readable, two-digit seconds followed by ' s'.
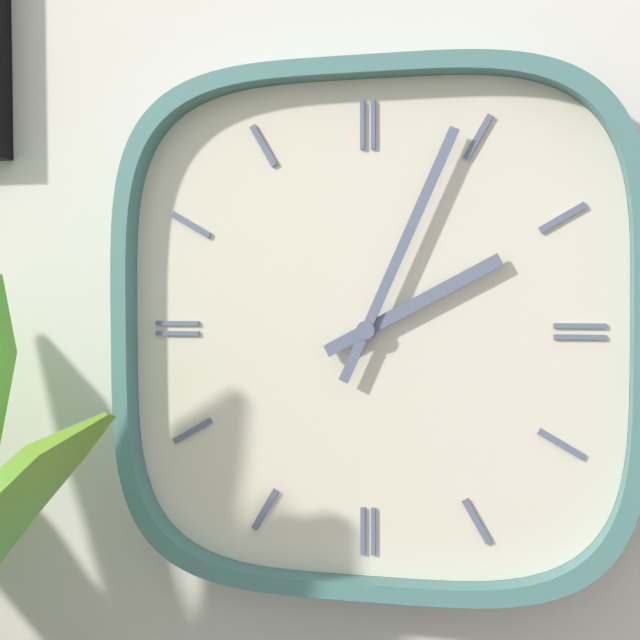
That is 2 h 04 min
